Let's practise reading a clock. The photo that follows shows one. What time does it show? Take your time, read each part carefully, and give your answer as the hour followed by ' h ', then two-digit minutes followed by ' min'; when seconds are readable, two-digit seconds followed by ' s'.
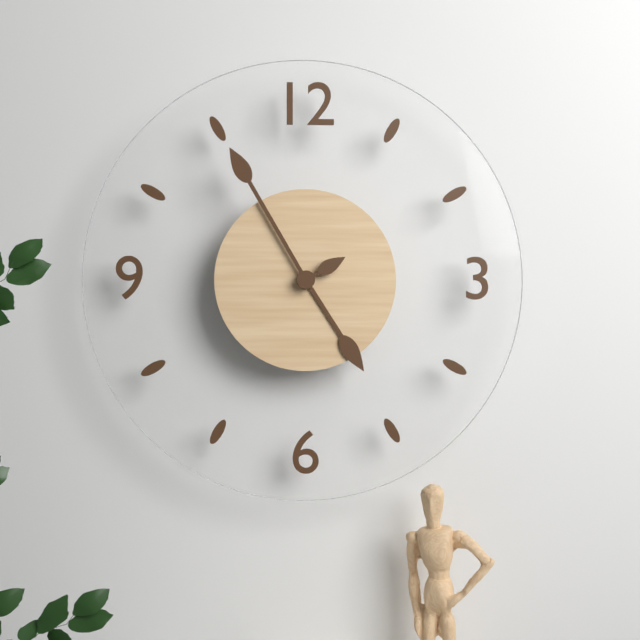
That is 4 h 55 min 10 s
